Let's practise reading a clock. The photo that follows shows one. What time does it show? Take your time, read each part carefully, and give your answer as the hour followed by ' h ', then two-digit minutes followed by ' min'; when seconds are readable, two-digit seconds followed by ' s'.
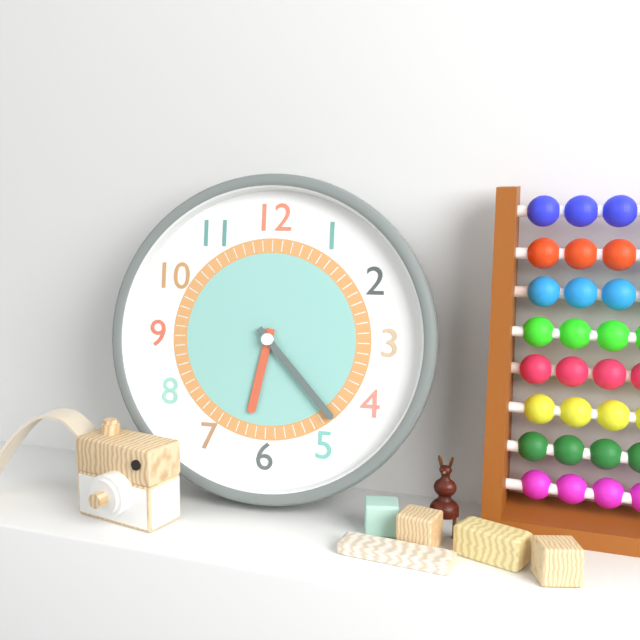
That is 6 h 23 min
